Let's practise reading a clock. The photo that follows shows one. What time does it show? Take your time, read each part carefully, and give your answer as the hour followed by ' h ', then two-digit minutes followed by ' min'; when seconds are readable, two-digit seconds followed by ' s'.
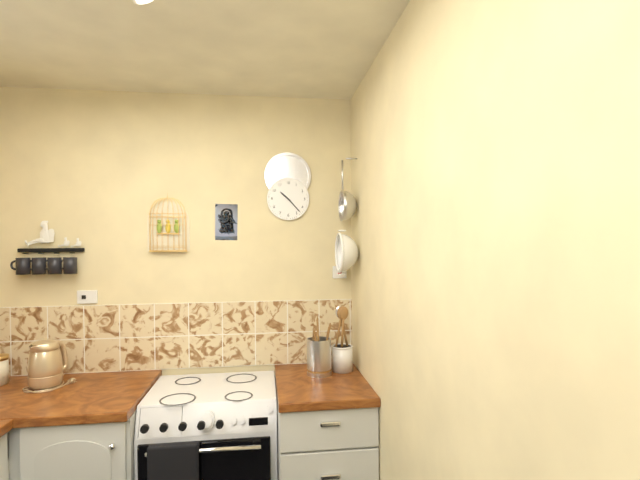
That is 10 h 23 min
